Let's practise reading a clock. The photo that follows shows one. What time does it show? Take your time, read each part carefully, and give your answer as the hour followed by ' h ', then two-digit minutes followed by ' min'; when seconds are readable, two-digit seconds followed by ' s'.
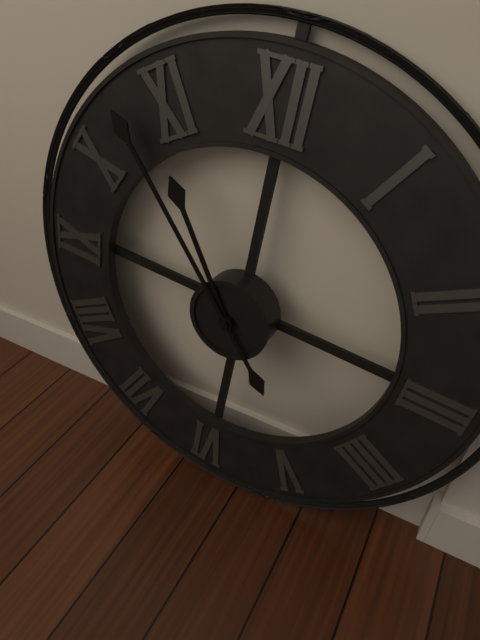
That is 10 h 53 min
